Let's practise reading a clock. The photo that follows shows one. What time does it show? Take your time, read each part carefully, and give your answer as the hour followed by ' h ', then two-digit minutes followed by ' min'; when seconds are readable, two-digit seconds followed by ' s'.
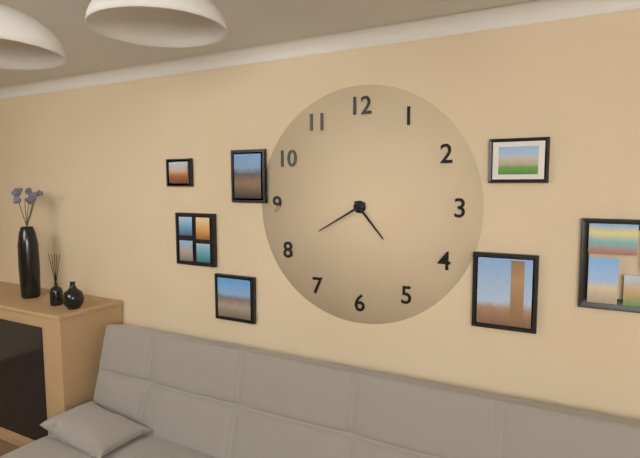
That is 4 h 40 min
